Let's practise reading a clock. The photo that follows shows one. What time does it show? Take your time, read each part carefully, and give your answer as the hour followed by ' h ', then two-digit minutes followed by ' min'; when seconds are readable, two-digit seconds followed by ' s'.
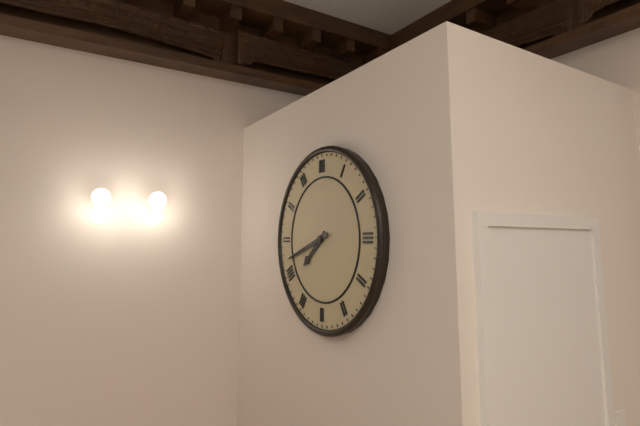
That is 7 h 42 min
